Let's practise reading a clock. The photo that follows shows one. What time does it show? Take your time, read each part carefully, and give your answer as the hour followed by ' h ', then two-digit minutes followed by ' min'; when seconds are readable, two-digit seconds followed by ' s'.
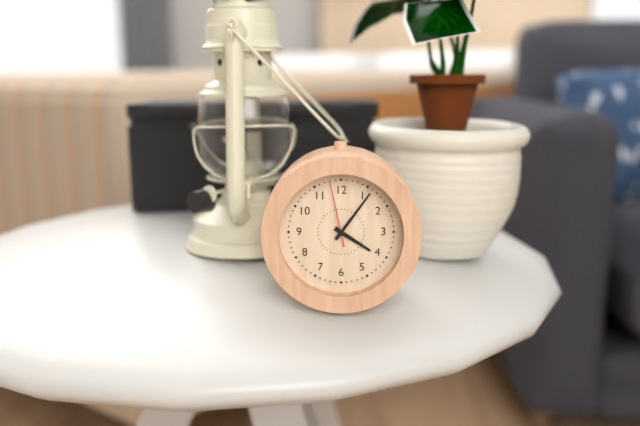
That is 4 h 06 min 58 s
